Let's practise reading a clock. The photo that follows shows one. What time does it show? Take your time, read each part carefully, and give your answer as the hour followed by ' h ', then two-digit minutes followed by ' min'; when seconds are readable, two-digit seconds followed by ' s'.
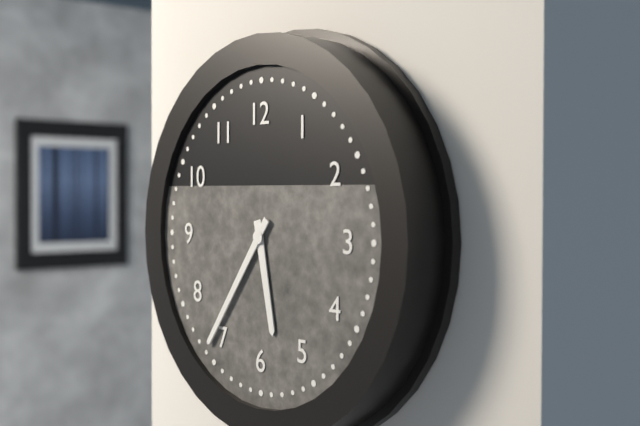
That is 5 h 36 min
